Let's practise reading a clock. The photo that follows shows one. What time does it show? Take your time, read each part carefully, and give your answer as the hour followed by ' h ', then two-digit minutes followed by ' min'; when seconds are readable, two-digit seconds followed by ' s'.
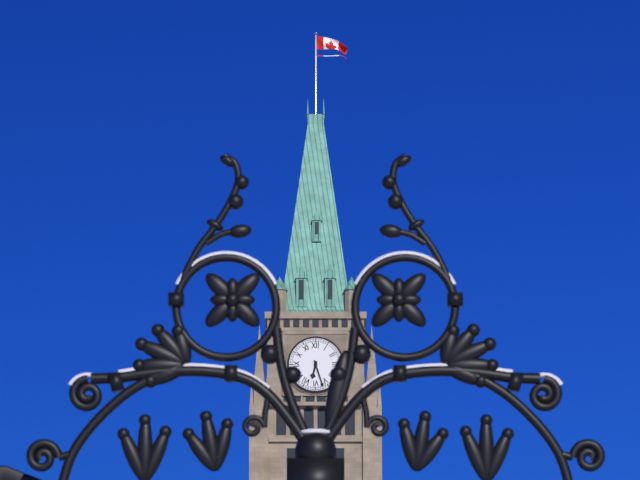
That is 6 h 27 min
